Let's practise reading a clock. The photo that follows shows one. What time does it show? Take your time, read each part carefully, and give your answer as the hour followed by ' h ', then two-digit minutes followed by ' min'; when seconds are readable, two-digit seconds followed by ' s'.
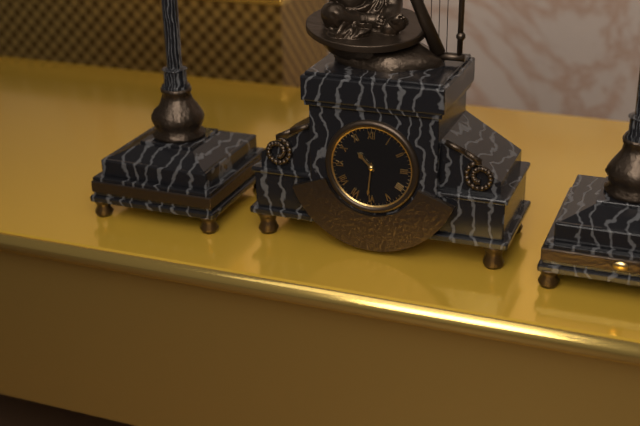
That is 10 h 31 min
